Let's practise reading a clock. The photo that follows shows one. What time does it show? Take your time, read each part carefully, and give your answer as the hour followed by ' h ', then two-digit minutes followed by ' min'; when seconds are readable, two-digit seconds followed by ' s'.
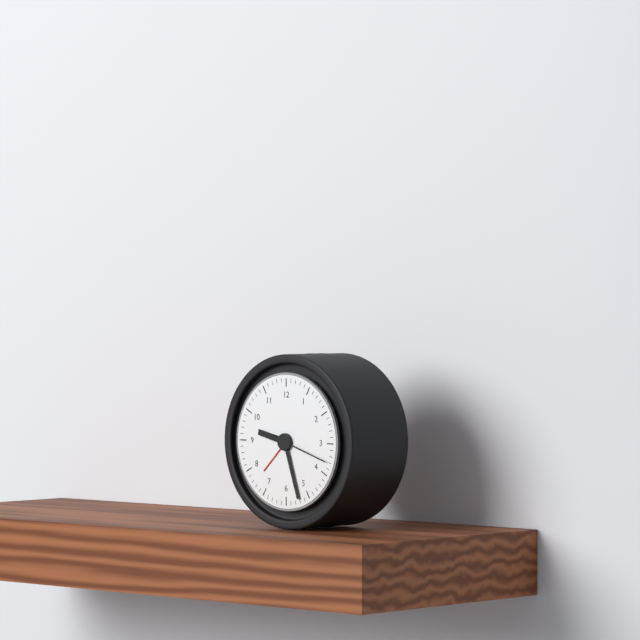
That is 9 h 27 min 18 s
